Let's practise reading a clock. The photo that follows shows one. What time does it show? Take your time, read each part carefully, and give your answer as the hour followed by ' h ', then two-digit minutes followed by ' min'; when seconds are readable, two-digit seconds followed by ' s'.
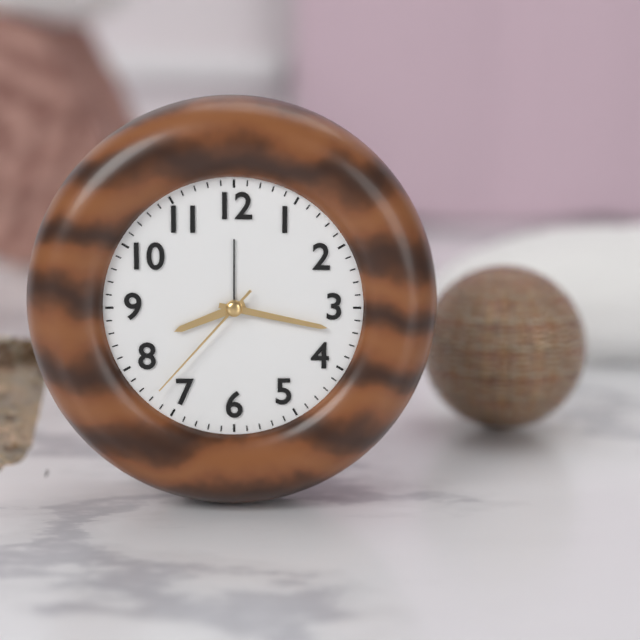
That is 8 h 17 min 37 s
